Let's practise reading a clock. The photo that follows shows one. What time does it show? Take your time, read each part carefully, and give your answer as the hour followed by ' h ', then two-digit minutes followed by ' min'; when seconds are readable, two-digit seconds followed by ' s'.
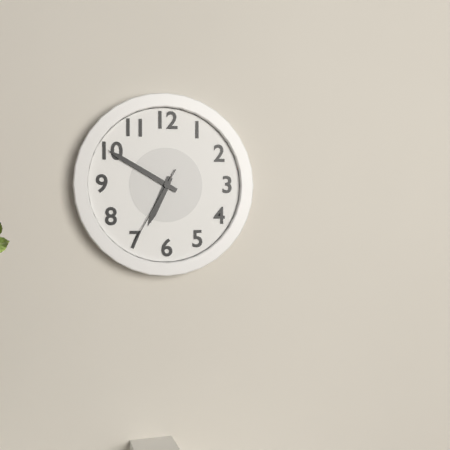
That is 6 h 50 min 35 s
